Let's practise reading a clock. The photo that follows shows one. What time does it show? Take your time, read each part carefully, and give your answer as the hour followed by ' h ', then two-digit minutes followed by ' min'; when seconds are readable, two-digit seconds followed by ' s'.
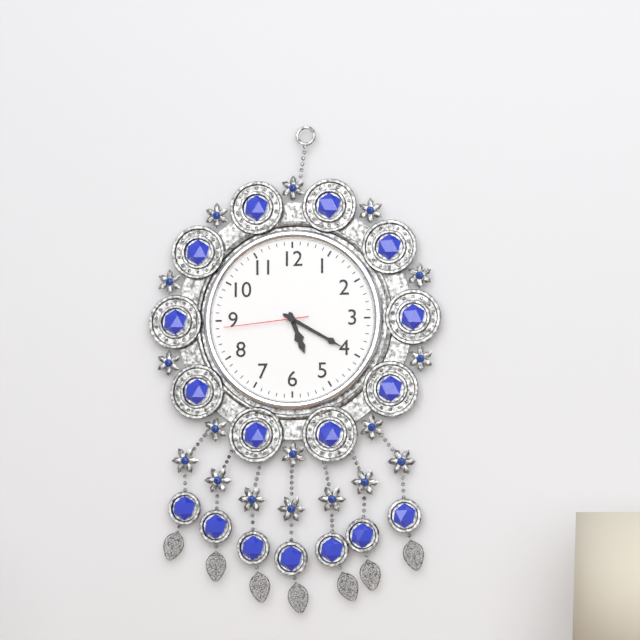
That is 5 h 20 min 44 s
